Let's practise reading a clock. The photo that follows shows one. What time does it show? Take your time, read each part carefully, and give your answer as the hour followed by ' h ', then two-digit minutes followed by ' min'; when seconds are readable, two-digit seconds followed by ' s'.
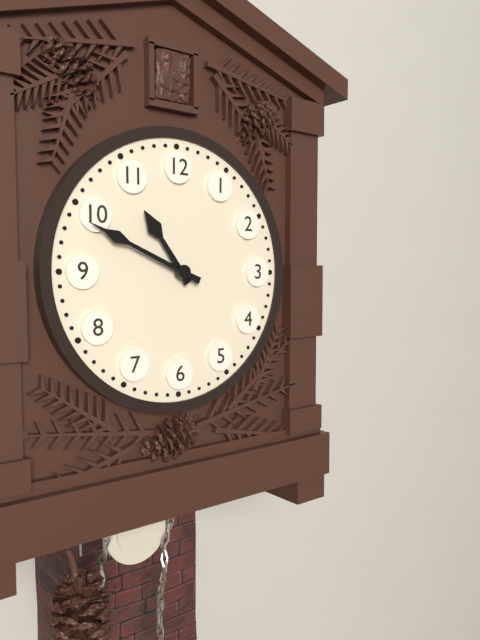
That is 10 h 49 min
